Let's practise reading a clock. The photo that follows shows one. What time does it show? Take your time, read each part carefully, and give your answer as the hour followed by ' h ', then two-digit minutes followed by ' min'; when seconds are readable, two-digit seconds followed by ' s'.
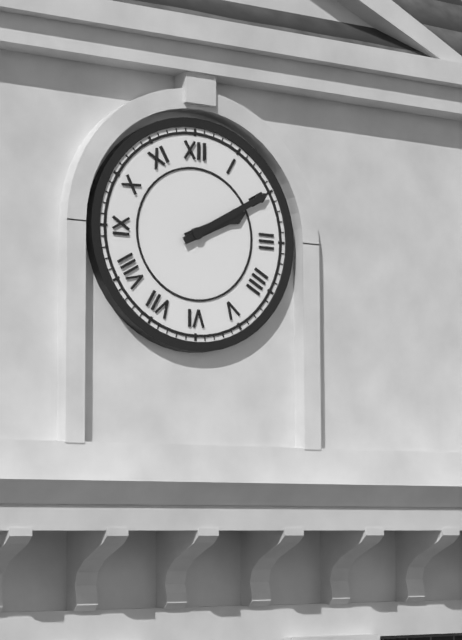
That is 2 h 10 min
